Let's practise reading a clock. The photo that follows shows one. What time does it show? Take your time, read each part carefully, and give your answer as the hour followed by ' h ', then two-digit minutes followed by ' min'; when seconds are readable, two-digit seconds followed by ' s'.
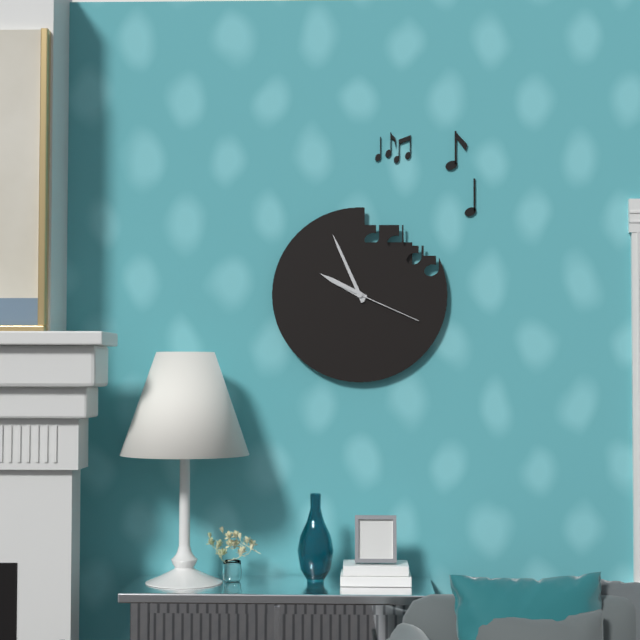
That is 9 h 56 min 19 s
